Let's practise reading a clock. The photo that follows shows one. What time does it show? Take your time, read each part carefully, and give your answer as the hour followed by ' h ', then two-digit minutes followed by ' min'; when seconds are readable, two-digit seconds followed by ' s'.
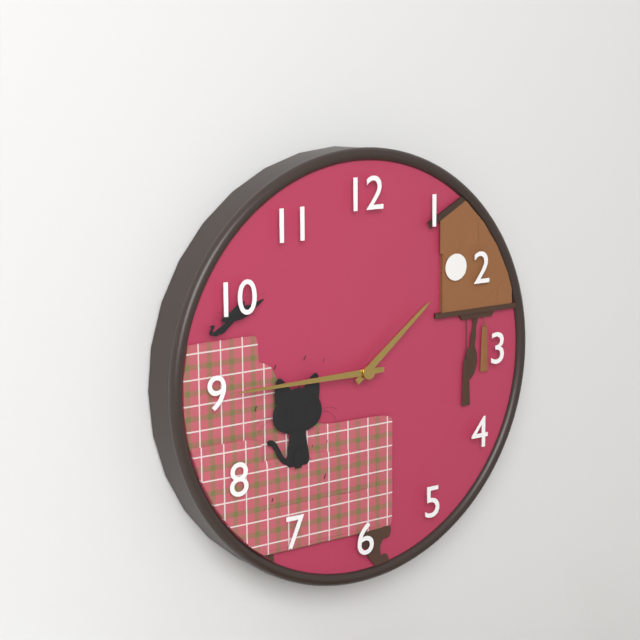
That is 1 h 45 min
